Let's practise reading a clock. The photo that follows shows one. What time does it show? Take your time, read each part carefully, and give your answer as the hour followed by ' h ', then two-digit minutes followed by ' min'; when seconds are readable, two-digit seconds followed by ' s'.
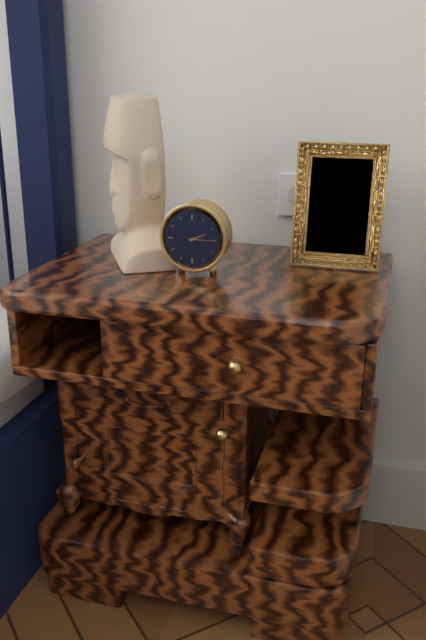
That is 2 h 15 min
